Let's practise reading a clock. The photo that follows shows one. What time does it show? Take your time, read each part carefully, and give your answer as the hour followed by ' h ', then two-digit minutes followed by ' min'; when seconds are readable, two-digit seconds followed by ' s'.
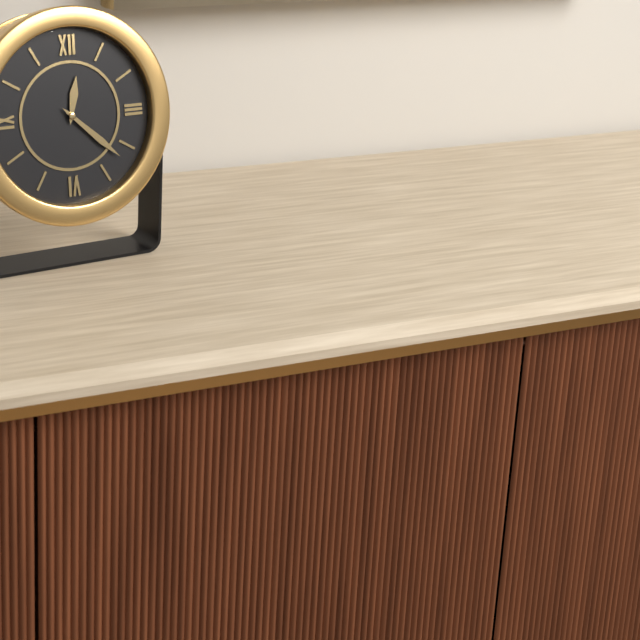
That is 12 h 22 min
